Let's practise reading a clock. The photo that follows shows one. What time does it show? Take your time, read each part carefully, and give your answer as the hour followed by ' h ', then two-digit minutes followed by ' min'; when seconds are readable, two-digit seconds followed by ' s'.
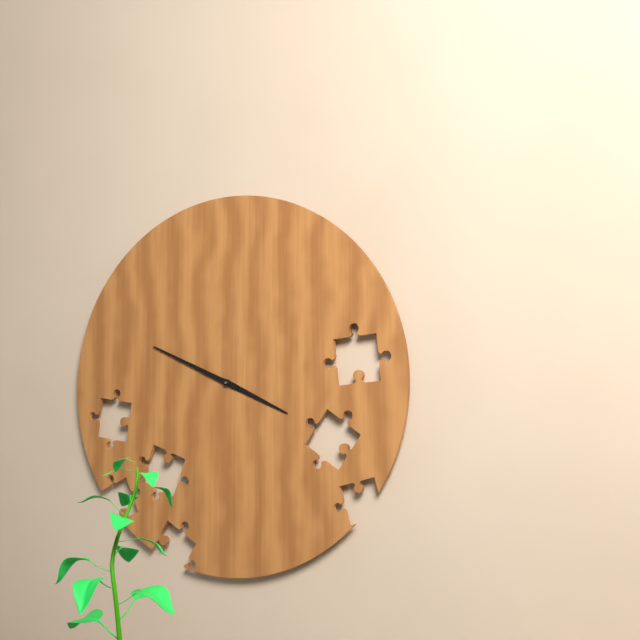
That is 3 h 49 min
